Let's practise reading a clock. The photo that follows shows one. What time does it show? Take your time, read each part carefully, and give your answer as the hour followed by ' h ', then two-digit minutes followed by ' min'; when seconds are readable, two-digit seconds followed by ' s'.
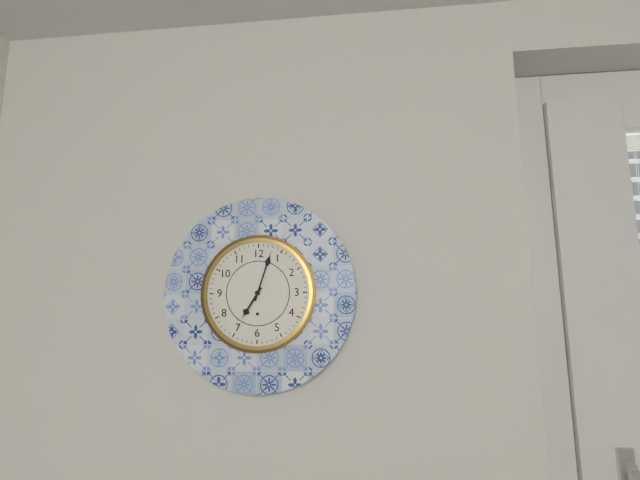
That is 7 h 03 min
